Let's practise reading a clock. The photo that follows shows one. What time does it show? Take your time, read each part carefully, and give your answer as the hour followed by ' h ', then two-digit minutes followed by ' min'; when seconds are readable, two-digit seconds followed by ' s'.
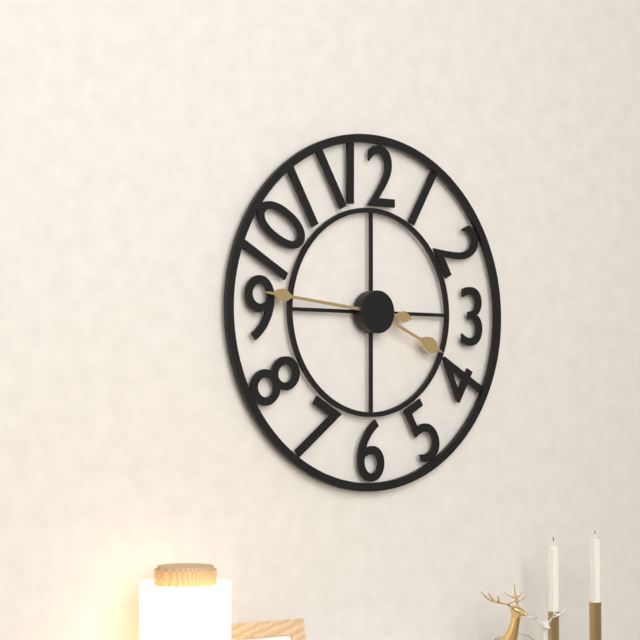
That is 3 h 46 min
